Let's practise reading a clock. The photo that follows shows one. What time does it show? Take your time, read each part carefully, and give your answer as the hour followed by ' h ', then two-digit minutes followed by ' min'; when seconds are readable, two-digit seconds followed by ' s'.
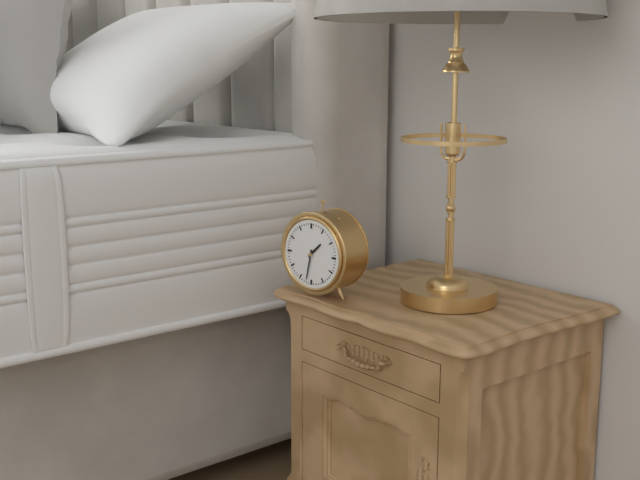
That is 1 h 32 min
